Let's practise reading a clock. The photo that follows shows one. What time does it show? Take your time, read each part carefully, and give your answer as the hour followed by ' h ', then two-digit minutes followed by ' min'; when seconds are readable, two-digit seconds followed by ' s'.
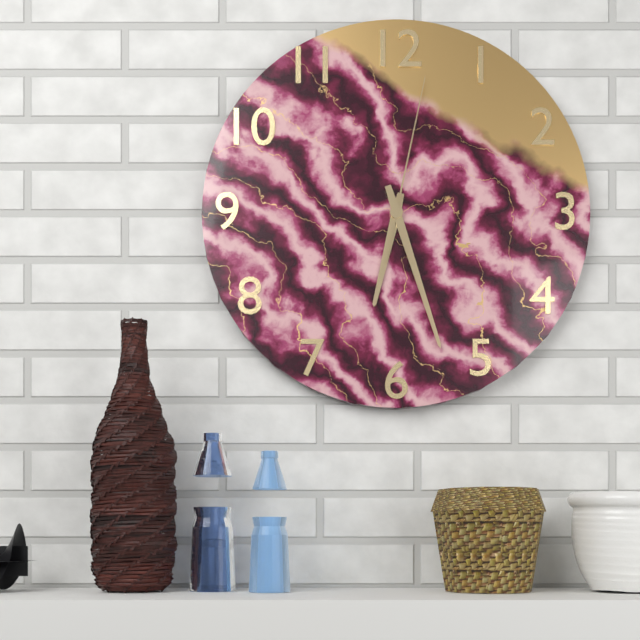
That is 6 h 27 min 02 s
